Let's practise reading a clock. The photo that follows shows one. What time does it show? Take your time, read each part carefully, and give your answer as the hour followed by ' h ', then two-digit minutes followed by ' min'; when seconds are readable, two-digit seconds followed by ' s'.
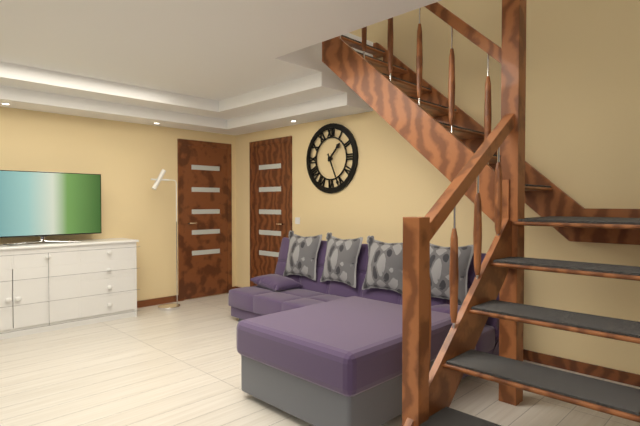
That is 1 h 26 min
